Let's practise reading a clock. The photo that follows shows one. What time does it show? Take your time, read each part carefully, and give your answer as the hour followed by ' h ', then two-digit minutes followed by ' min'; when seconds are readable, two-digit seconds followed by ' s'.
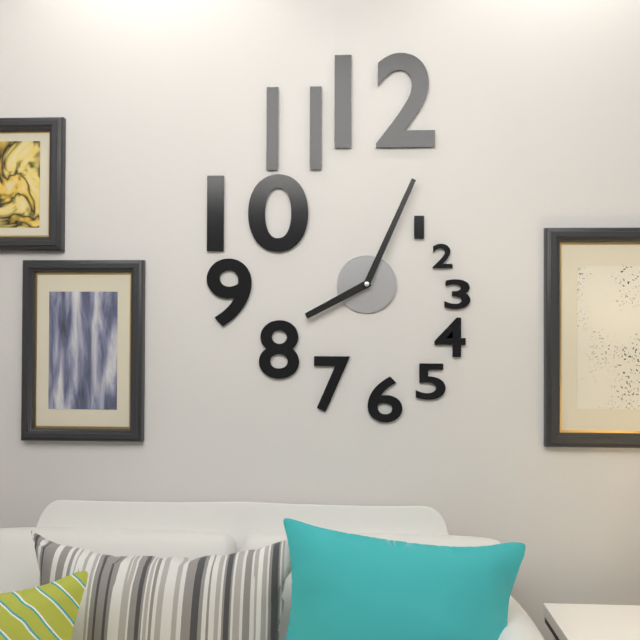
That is 8 h 04 min
